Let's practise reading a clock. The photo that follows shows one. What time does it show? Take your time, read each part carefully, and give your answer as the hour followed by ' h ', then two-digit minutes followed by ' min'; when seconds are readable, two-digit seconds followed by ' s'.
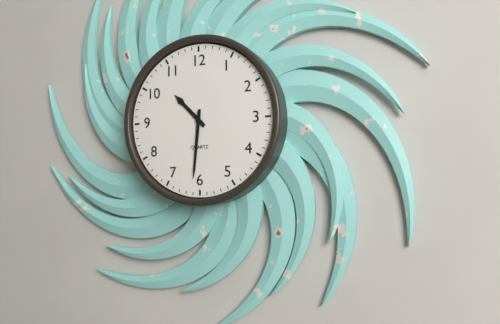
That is 10 h 31 min
